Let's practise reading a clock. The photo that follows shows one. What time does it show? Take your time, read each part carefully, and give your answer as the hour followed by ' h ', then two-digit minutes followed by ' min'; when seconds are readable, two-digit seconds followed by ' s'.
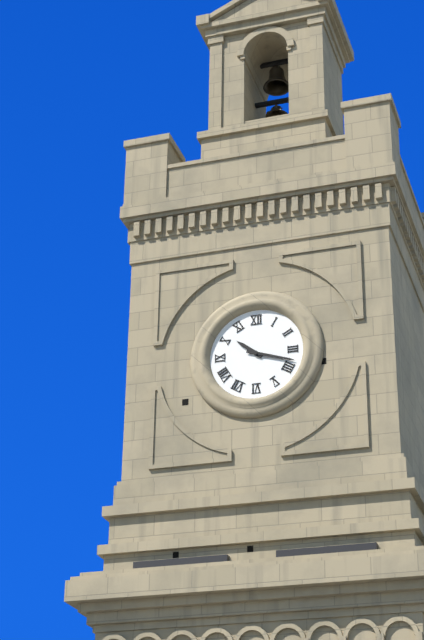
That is 10 h 18 min
